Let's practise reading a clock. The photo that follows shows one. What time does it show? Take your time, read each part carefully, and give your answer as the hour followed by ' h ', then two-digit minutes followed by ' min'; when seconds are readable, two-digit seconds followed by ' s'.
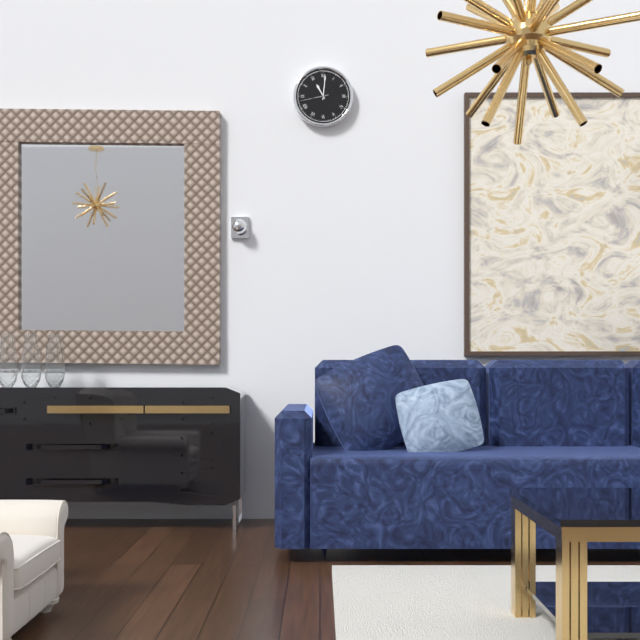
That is 11 h 01 min
